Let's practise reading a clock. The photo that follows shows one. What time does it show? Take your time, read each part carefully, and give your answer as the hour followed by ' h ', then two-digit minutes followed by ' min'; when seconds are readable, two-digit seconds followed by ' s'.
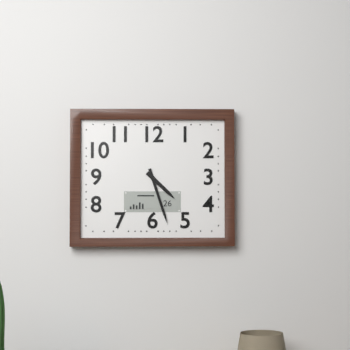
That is 4 h 27 min
